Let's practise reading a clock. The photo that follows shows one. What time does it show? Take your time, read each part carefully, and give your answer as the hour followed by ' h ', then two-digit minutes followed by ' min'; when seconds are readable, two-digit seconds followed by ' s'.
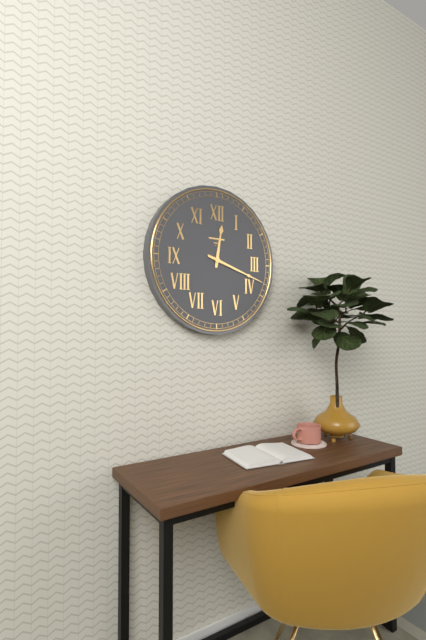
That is 12 h 18 min
